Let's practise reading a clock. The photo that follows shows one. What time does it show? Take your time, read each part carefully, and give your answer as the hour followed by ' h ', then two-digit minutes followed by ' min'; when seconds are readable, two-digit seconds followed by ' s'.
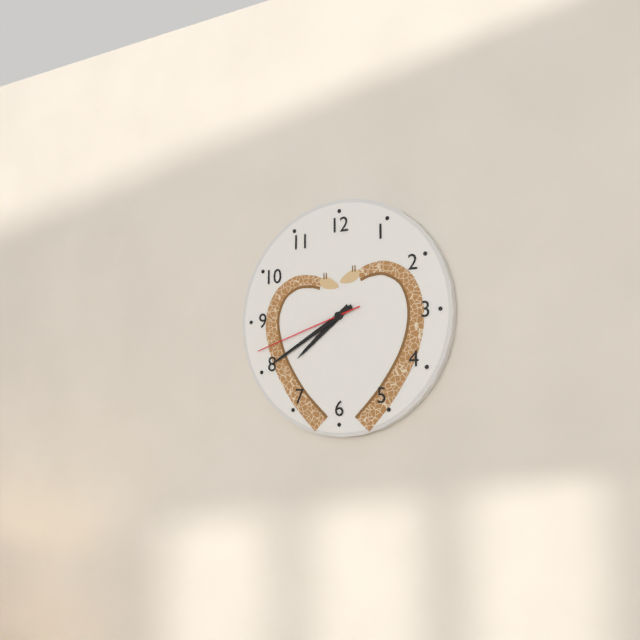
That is 7 h 40 min 42 s
